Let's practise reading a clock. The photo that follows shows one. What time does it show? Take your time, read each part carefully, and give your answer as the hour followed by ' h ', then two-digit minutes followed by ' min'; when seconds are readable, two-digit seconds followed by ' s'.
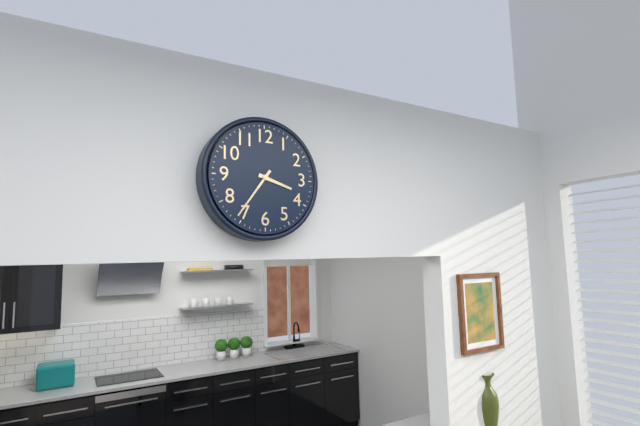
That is 3 h 36 min
